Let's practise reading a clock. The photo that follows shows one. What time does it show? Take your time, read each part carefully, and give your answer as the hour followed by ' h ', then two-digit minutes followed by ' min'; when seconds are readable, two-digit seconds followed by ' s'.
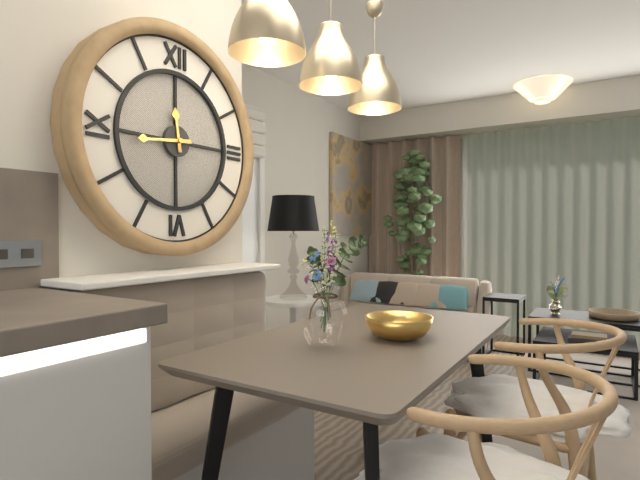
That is 11 h 44 min
